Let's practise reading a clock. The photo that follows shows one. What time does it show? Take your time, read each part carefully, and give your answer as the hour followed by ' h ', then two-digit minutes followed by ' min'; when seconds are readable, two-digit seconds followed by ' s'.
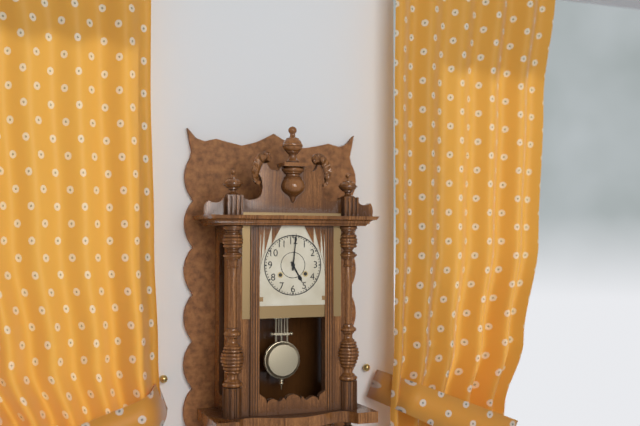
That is 5 h 01 min
